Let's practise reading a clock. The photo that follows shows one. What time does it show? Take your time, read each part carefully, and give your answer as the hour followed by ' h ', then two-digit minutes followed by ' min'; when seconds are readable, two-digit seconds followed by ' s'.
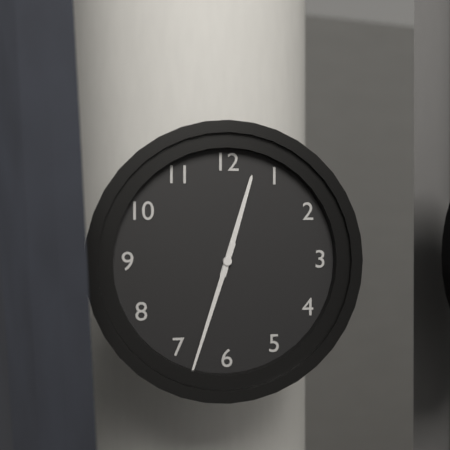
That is 12 h 33 min
